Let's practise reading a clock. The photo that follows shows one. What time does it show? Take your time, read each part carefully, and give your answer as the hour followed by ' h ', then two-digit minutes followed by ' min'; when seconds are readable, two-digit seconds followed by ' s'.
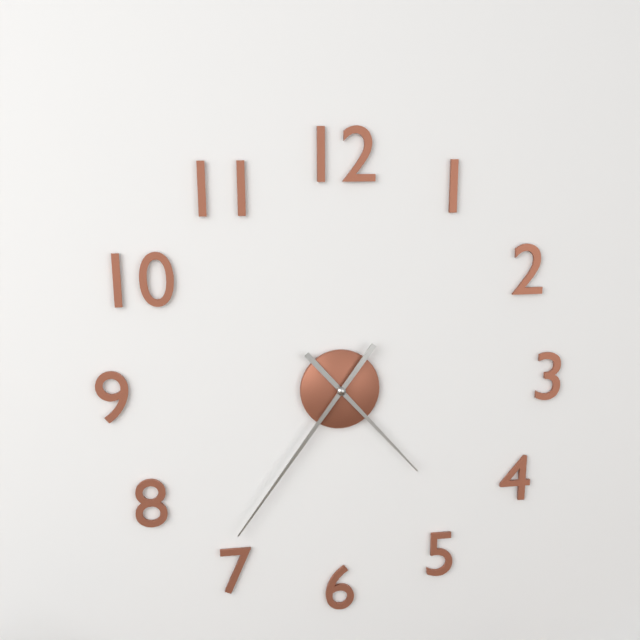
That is 4 h 36 min
